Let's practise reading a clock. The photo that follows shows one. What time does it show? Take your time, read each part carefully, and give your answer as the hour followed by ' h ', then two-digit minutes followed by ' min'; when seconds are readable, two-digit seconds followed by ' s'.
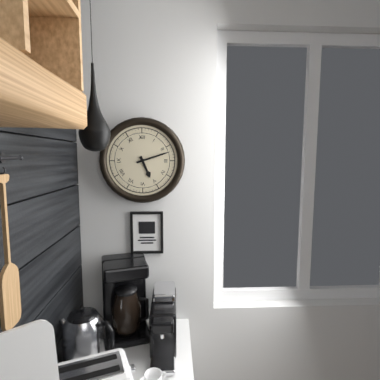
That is 5 h 12 min
